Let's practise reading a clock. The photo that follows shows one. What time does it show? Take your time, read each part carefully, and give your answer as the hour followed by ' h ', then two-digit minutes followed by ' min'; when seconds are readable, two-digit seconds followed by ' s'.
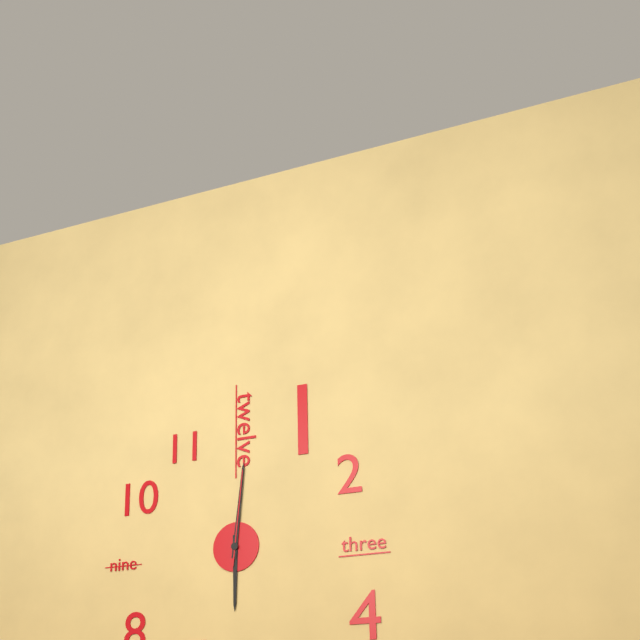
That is 6 h 01 min 01 s
